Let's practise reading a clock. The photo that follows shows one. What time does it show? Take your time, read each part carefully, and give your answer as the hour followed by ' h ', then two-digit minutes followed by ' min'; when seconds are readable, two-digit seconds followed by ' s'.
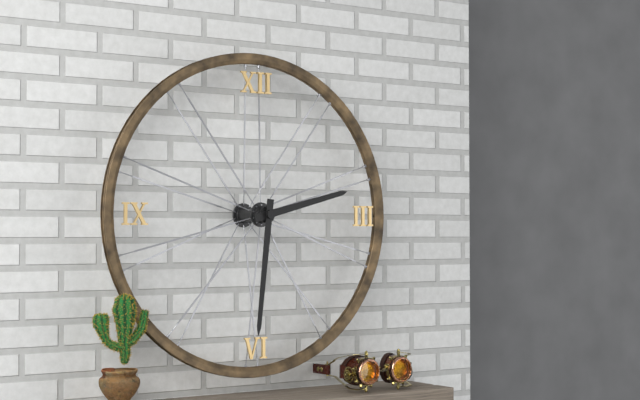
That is 2 h 31 min
